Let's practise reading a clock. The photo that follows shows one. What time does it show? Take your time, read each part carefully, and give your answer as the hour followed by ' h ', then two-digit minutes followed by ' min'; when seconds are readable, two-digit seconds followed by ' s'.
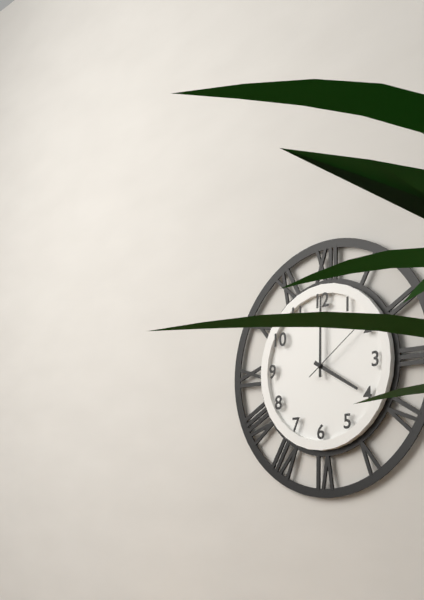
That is 4 h 00 min 09 s
